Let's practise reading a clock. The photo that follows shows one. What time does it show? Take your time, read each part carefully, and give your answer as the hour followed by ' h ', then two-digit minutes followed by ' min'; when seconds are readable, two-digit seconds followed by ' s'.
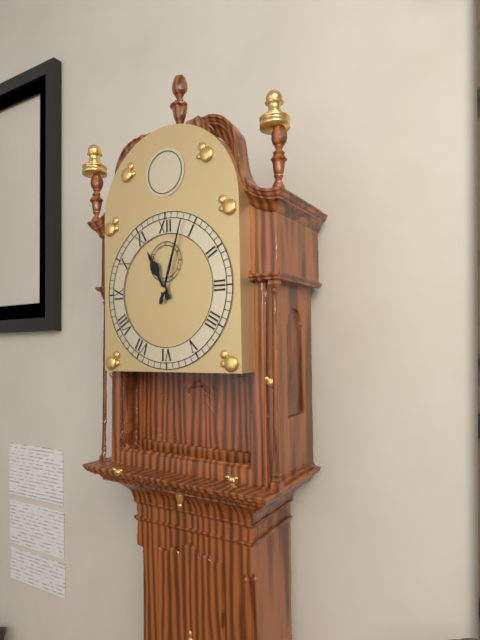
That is 11 h 03 min
